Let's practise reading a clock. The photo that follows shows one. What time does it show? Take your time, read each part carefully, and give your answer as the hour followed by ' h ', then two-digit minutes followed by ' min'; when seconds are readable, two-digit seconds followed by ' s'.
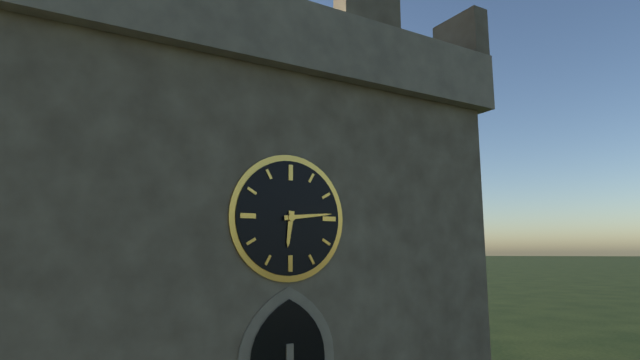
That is 6 h 14 min
